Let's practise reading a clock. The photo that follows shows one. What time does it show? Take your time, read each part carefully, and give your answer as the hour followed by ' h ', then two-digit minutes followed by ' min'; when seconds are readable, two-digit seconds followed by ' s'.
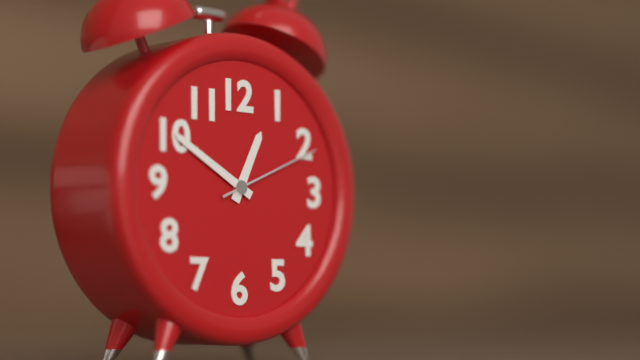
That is 12 h 50 min 11 s
